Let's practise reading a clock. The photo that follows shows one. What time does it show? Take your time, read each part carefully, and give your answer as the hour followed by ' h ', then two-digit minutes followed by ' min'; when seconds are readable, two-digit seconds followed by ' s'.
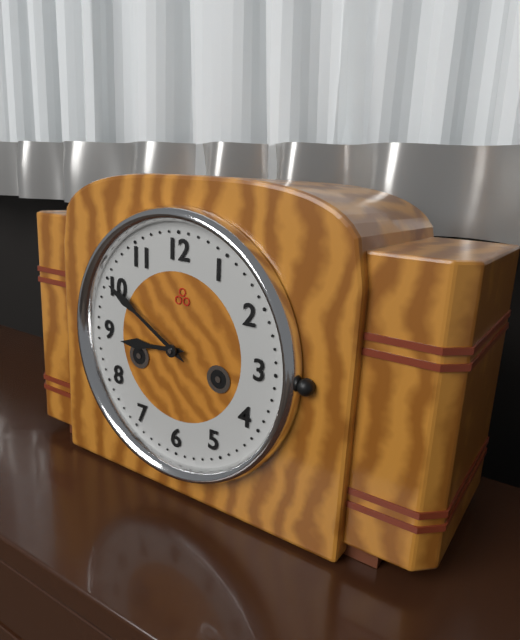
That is 8 h 50 min
